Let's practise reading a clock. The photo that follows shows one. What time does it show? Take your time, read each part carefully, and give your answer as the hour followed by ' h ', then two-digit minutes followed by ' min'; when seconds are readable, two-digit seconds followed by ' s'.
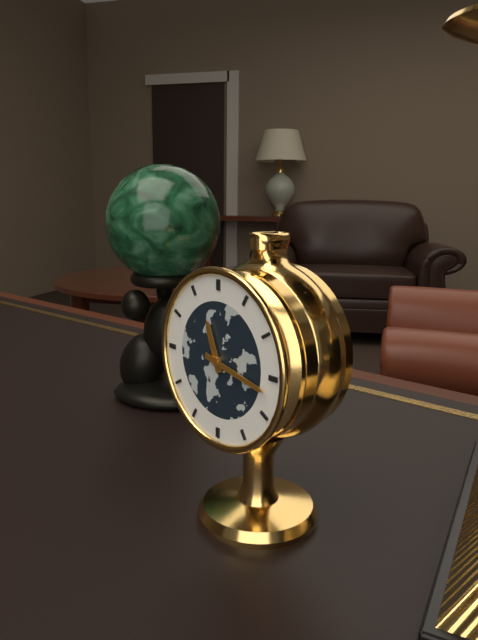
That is 11 h 17 min
